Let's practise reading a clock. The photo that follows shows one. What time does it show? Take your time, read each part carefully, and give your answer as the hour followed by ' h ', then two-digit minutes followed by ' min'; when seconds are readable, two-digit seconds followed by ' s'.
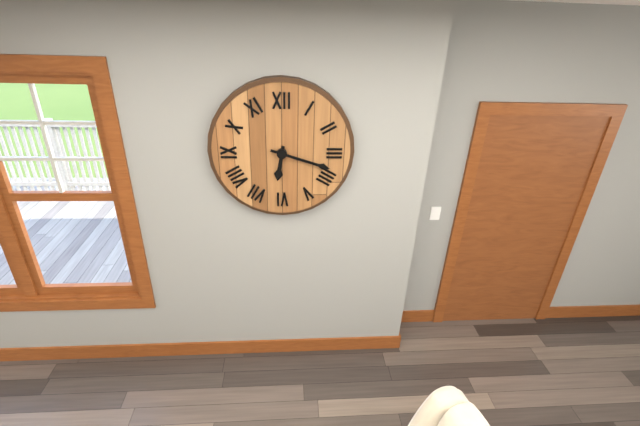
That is 6 h 18 min
